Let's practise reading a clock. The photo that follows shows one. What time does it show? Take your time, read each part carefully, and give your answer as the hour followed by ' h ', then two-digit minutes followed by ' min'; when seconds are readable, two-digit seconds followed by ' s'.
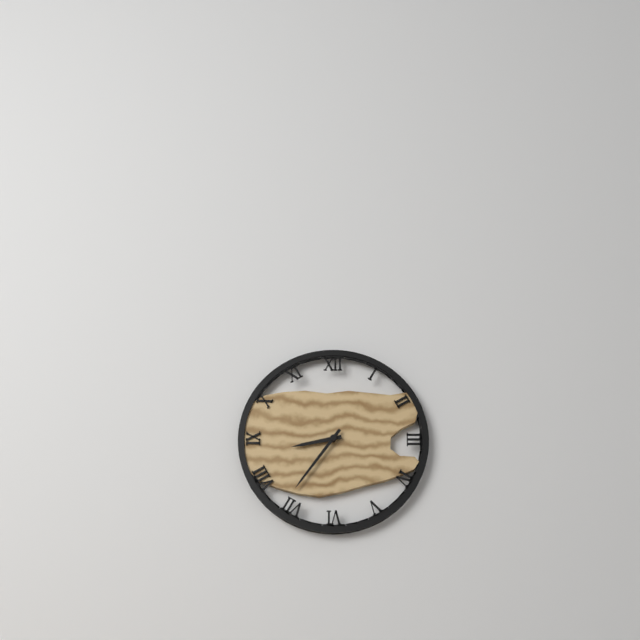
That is 8 h 36 min
